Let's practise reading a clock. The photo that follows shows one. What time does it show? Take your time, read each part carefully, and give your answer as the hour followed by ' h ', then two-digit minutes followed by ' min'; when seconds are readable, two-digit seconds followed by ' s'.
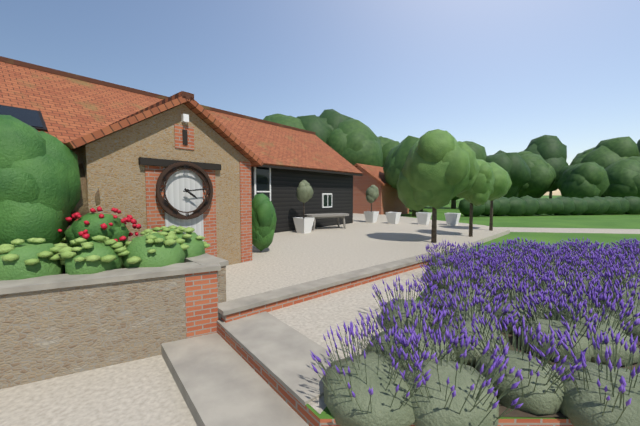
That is 4 h 14 min
